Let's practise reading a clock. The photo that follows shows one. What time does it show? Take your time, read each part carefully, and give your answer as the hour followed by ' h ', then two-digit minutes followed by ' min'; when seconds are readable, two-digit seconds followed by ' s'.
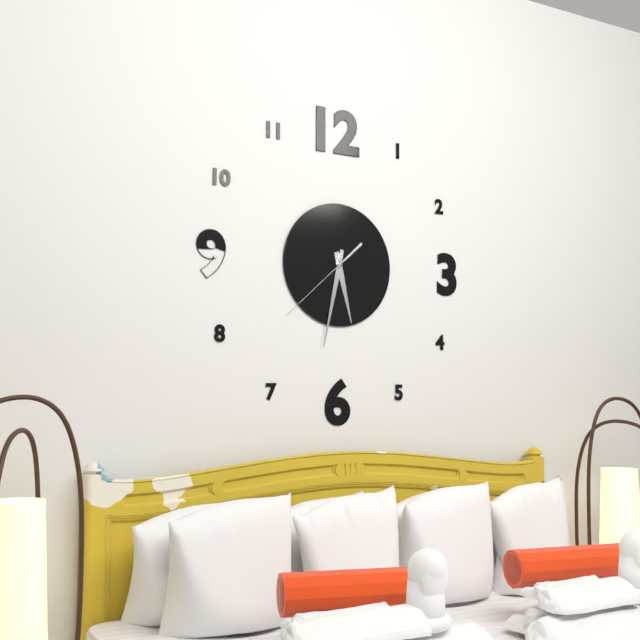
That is 5 h 32 min 38 s
